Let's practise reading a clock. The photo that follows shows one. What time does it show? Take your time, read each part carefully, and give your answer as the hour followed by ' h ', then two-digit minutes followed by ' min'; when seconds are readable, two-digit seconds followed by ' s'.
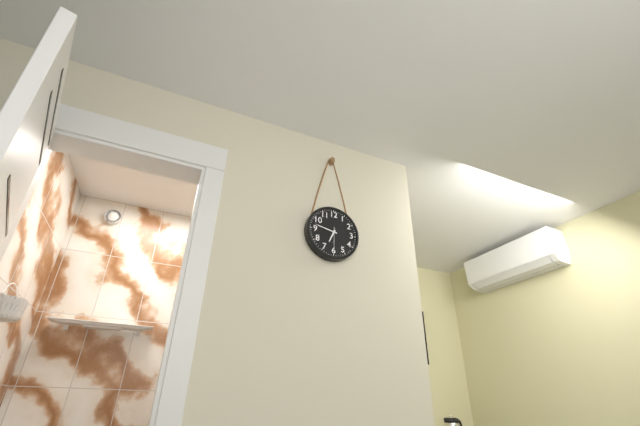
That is 6 h 47 min
